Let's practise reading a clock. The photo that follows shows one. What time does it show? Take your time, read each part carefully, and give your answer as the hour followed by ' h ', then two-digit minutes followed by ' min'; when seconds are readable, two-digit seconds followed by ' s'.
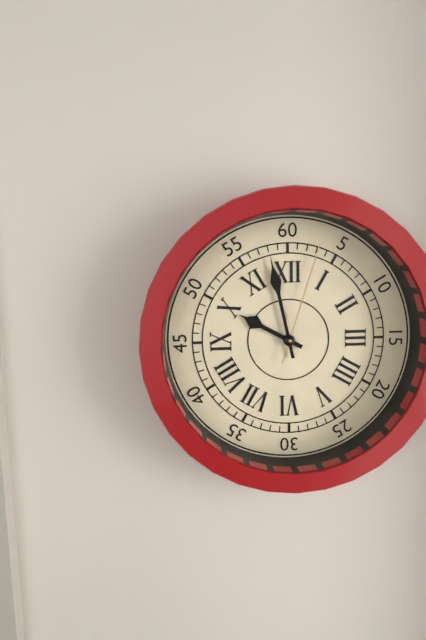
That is 9 h 58 min 03 s
